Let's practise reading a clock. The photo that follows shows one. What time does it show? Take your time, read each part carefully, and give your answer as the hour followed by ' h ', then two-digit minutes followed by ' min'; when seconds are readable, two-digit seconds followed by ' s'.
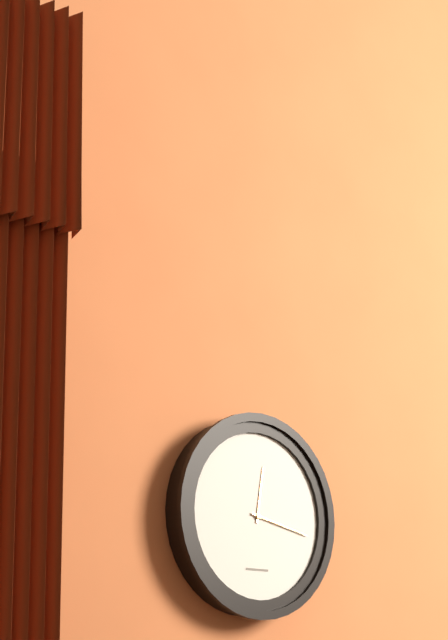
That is 12 h 17 min
